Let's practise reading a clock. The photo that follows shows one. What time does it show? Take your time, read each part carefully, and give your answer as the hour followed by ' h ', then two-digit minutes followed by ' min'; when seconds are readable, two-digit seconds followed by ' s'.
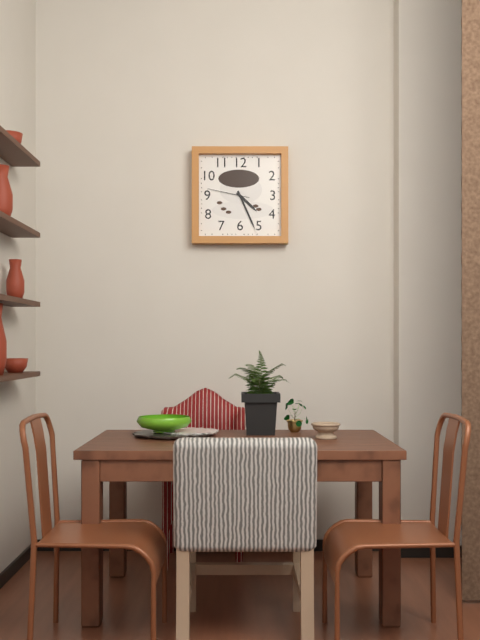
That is 4 h 26 min
